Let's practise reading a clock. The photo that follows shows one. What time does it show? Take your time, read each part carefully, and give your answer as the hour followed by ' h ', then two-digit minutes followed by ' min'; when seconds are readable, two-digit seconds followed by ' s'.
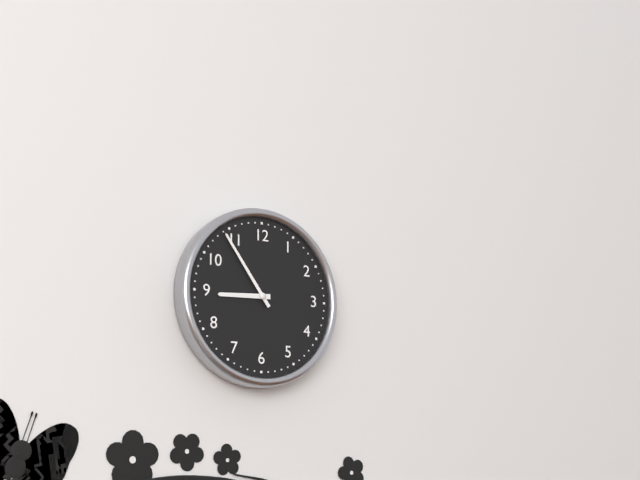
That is 8 h 54 min
